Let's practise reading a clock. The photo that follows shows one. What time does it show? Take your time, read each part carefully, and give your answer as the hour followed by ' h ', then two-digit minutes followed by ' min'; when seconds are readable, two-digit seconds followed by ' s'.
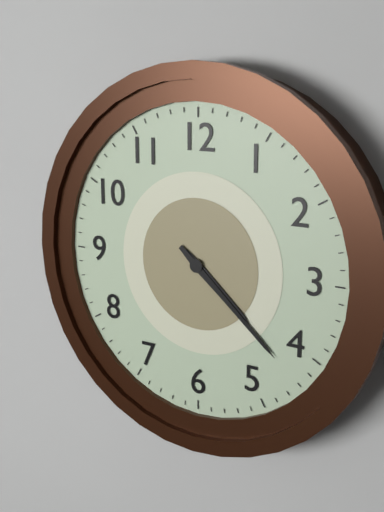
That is 4 h 22 min
